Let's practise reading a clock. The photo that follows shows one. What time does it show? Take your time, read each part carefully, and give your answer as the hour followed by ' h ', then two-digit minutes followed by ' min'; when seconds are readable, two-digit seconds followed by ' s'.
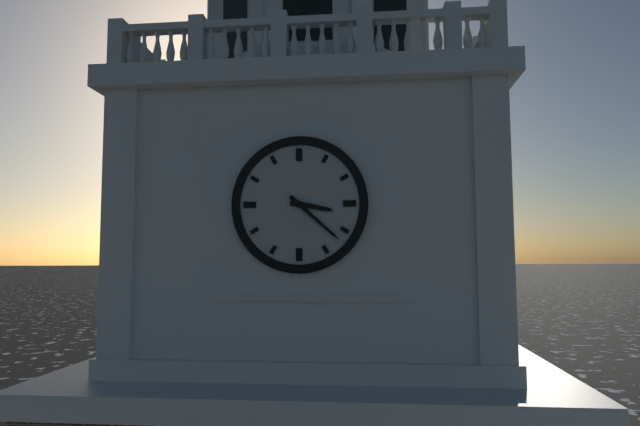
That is 3 h 22 min
